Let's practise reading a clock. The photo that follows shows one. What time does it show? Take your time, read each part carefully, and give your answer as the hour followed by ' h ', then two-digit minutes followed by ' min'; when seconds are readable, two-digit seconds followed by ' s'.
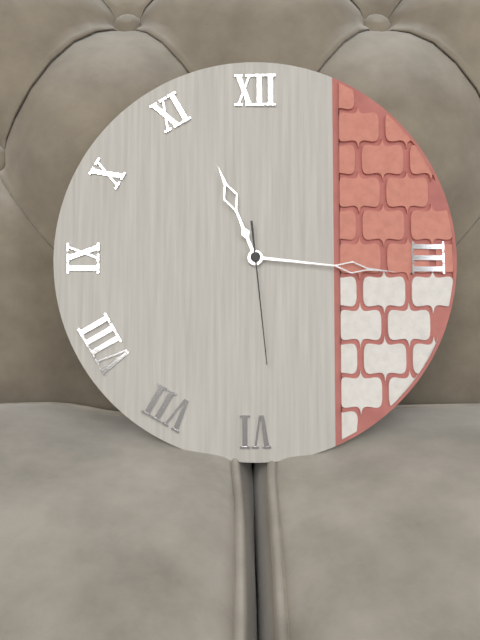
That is 11 h 16 min 29 s
